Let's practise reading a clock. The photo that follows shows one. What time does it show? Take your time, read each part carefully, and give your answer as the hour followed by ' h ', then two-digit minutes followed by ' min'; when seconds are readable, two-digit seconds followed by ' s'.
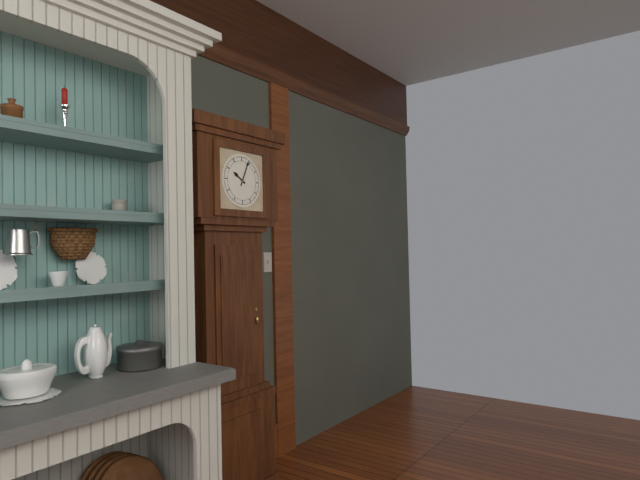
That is 10 h 04 min
